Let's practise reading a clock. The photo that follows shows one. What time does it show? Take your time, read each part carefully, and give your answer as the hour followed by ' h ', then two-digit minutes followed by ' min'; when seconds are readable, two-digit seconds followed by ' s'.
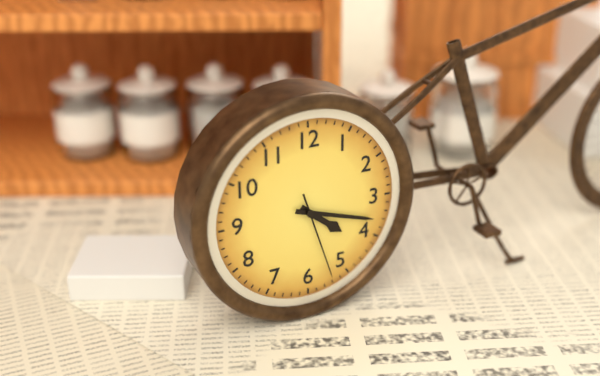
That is 4 h 18 min 27 s
